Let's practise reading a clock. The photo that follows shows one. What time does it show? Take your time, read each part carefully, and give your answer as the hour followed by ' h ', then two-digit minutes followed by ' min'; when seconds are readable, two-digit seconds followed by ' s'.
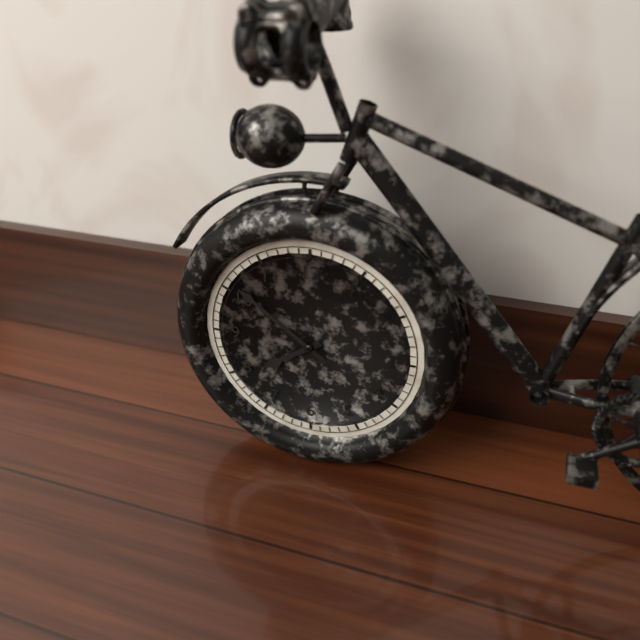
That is 7 h 51 min
